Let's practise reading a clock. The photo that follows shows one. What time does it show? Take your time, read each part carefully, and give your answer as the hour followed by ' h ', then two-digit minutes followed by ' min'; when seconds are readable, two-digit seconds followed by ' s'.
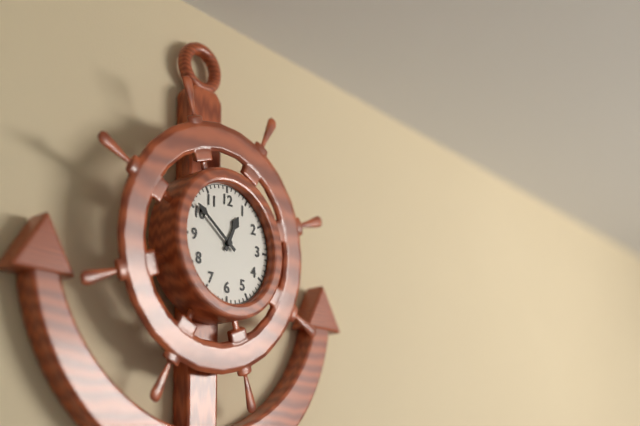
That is 12 h 51 min
